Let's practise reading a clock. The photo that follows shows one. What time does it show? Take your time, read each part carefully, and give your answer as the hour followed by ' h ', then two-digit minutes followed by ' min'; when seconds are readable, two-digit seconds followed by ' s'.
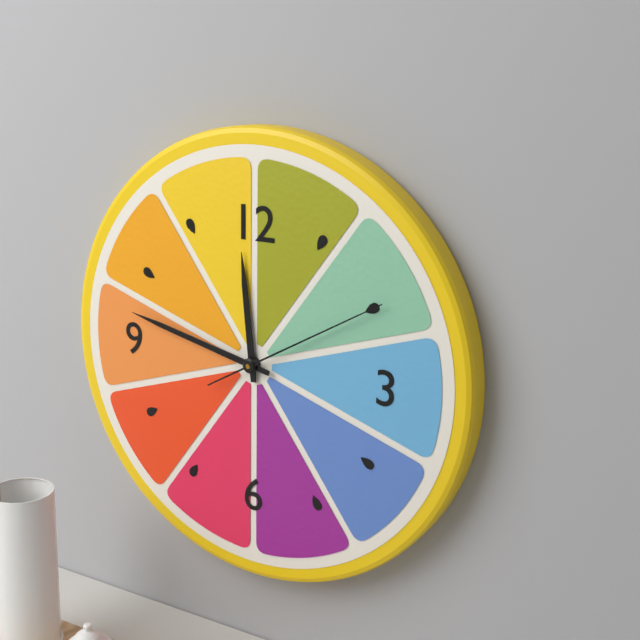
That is 11 h 47 min 10 s
